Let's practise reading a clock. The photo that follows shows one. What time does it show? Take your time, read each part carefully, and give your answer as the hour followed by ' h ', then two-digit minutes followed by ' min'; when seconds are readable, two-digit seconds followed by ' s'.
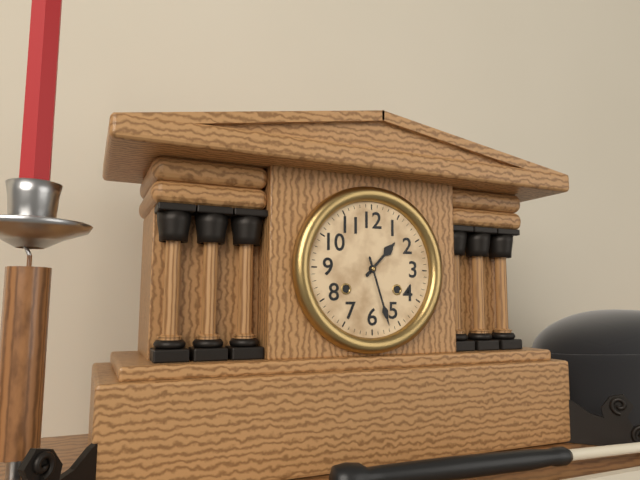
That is 1 h 27 min
